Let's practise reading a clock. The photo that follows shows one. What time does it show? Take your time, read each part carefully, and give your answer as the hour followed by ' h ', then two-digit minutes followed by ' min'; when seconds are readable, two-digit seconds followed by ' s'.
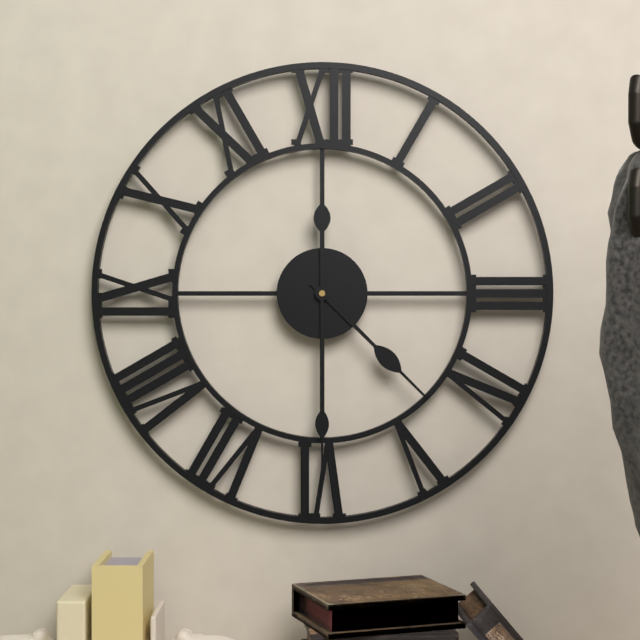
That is 4 h 30 min
